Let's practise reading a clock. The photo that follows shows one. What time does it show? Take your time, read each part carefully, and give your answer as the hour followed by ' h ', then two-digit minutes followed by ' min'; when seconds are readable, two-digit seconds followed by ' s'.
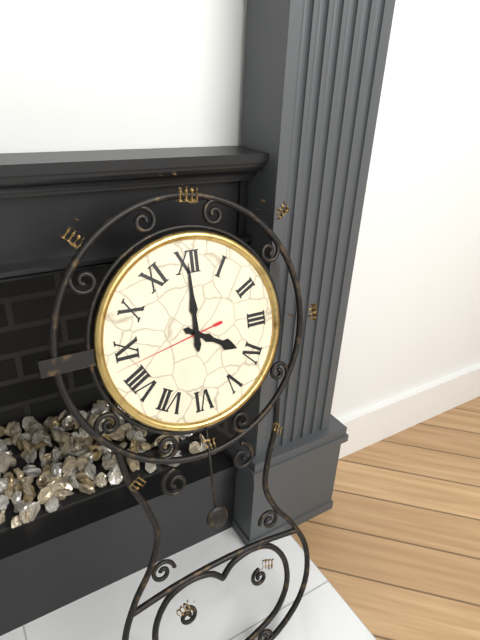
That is 4 h 00 min 43 s
